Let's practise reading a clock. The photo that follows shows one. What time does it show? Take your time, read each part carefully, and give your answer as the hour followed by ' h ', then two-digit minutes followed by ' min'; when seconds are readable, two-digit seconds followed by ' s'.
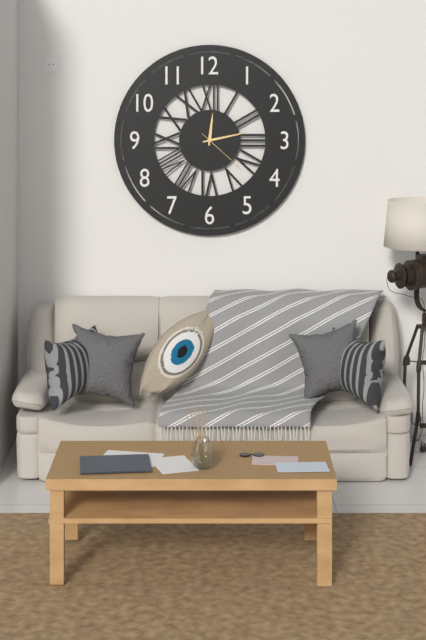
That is 12 h 13 min 22 s
